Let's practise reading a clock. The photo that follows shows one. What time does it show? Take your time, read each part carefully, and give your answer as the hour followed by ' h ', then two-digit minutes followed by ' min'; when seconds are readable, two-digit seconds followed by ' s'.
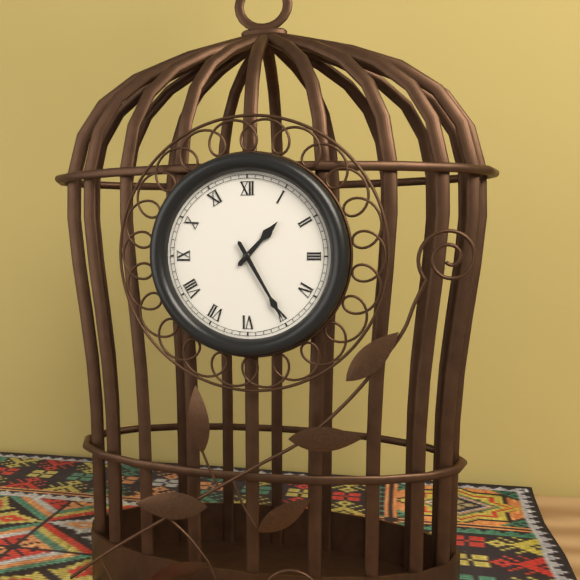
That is 1 h 25 min
